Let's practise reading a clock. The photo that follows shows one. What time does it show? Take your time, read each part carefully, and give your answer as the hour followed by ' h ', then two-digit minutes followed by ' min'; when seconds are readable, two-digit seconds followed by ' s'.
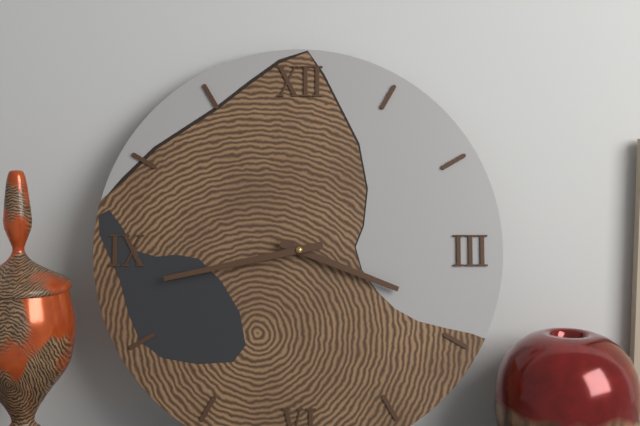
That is 3 h 43 min
